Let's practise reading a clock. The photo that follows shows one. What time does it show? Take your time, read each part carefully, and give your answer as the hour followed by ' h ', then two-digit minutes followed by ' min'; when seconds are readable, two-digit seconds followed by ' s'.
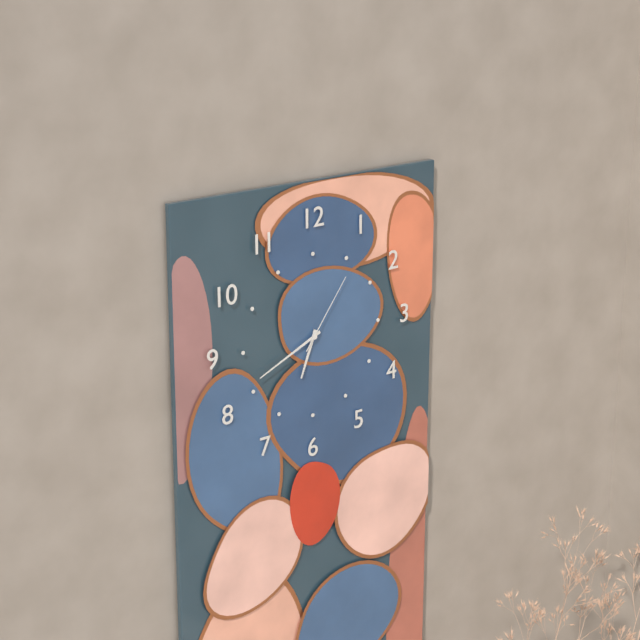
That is 6 h 41 min 06 s
